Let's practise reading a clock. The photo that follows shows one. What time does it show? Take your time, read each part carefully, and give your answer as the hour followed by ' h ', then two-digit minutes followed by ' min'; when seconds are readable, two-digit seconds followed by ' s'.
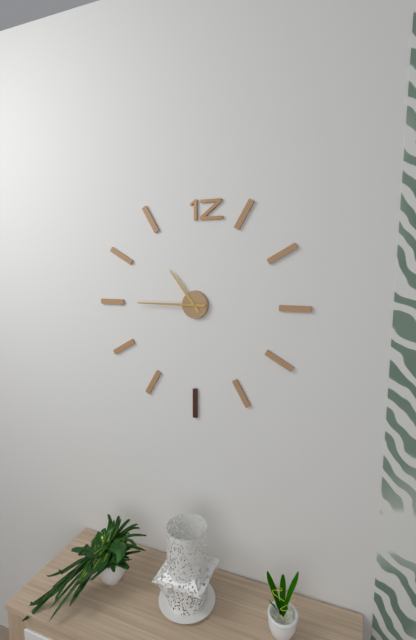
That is 10 h 45 min
